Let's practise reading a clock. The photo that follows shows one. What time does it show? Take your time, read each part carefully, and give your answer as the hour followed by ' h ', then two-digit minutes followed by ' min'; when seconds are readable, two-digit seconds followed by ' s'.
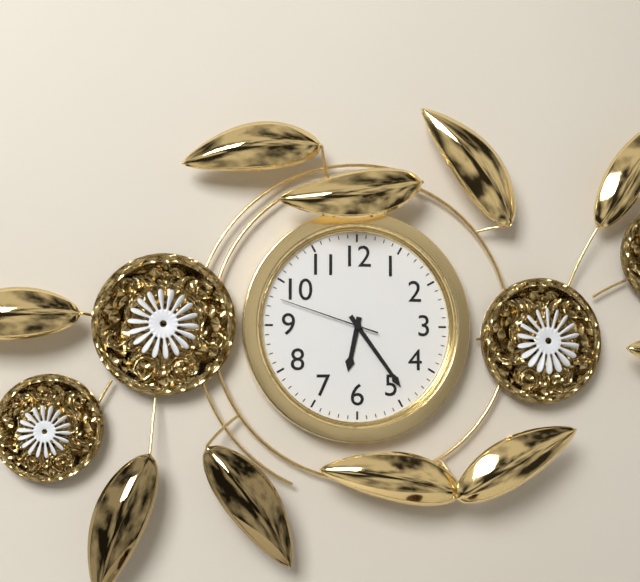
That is 6 h 24 min 48 s
